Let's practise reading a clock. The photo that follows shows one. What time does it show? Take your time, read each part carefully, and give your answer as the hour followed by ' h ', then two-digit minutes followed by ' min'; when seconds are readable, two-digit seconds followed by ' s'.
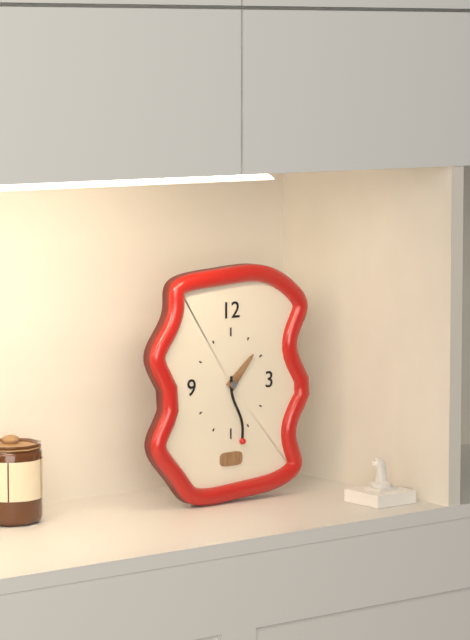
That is 1 h 28 min
